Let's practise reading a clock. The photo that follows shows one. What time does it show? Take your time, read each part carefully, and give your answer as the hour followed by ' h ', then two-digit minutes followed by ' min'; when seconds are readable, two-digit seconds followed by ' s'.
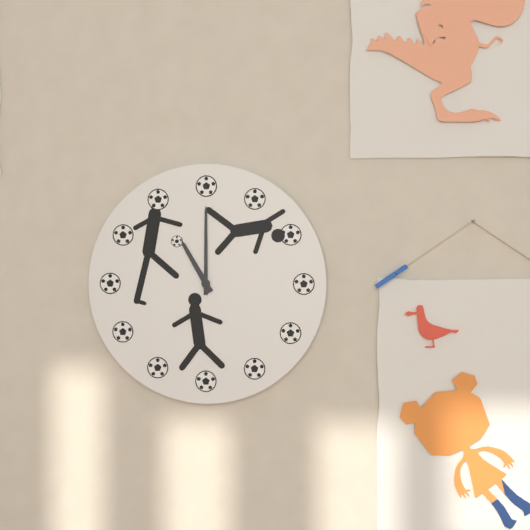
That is 11 h 00 min
